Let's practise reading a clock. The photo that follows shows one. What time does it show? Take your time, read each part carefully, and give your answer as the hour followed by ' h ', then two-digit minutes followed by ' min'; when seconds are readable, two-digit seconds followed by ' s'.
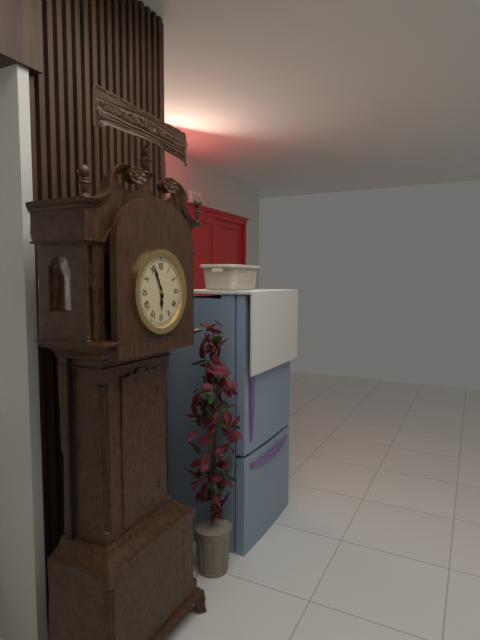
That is 5 h 56 min
